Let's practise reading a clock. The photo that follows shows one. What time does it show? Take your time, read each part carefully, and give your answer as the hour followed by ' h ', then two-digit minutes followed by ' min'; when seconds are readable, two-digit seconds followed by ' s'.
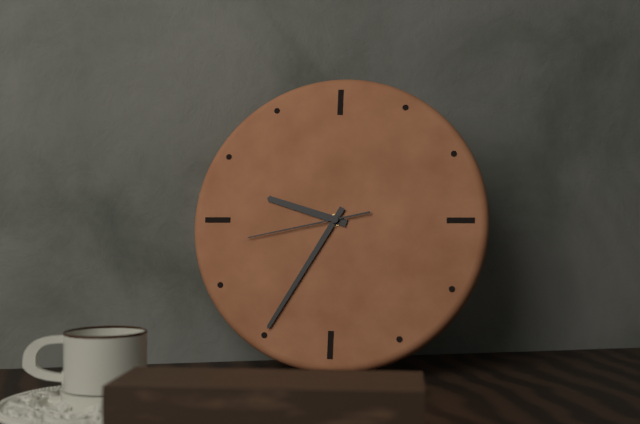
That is 9 h 35 min 43 s
